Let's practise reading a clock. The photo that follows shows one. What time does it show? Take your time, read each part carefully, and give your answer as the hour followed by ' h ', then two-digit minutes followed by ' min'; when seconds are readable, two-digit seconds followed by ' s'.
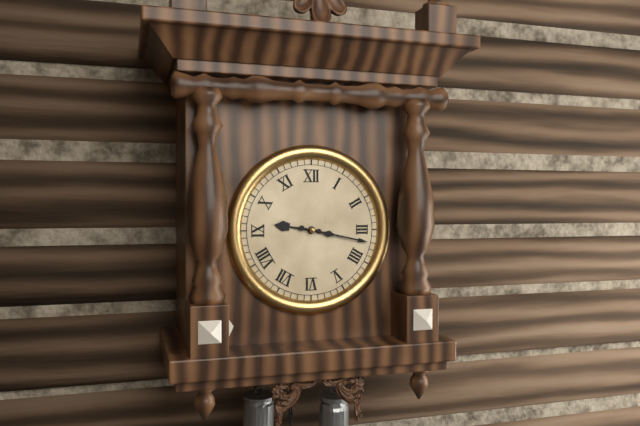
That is 9 h 17 min
